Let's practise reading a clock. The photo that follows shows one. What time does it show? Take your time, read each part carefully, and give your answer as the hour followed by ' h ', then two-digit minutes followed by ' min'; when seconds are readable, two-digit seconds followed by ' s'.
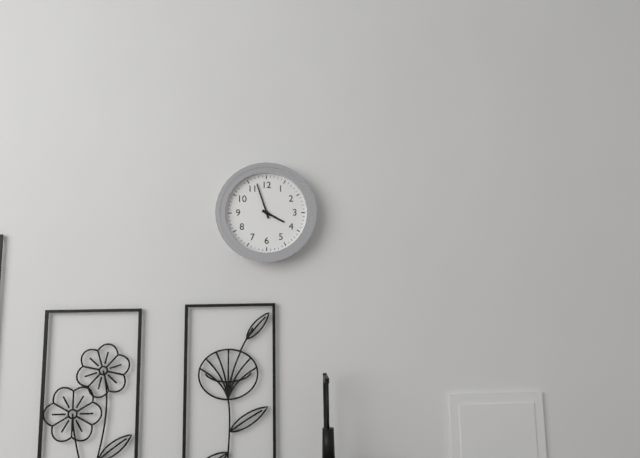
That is 3 h 57 min
